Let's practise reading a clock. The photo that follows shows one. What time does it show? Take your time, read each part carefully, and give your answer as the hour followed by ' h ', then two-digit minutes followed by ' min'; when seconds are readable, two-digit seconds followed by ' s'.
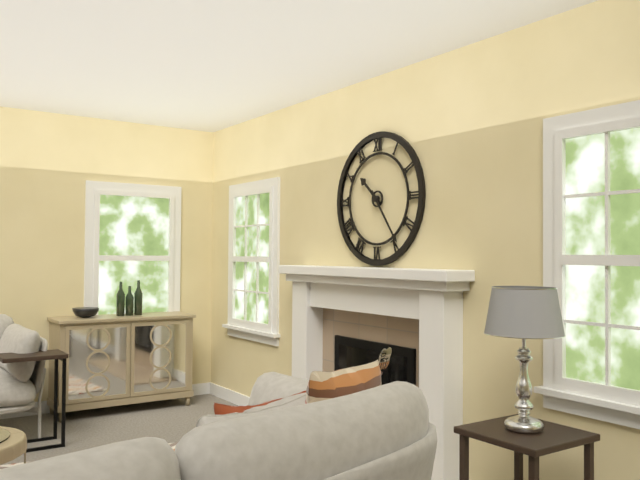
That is 10 h 24 min
